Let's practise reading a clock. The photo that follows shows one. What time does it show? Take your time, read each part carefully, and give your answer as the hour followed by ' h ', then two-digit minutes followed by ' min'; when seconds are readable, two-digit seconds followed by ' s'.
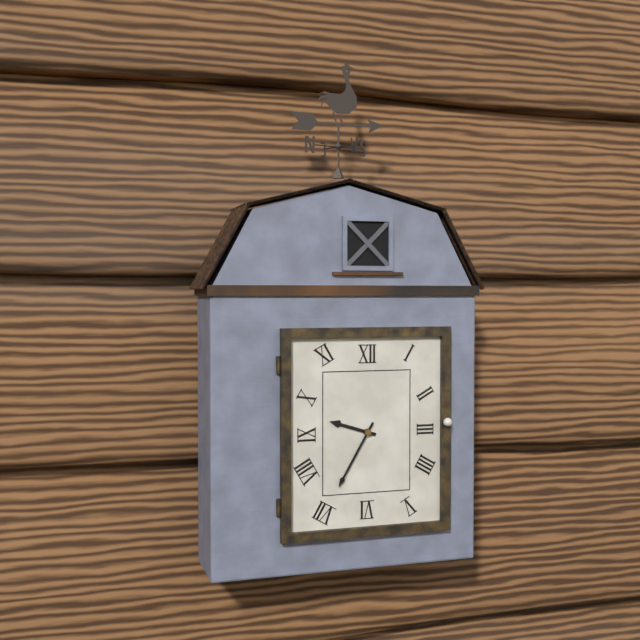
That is 9 h 35 min
